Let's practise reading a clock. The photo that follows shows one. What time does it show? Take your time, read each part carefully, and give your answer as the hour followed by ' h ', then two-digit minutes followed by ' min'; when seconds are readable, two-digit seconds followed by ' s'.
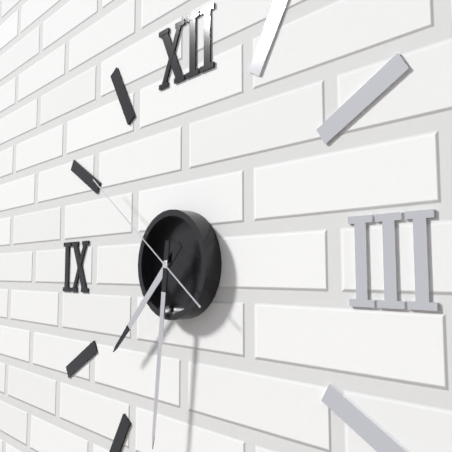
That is 7 h 31 min 51 s
